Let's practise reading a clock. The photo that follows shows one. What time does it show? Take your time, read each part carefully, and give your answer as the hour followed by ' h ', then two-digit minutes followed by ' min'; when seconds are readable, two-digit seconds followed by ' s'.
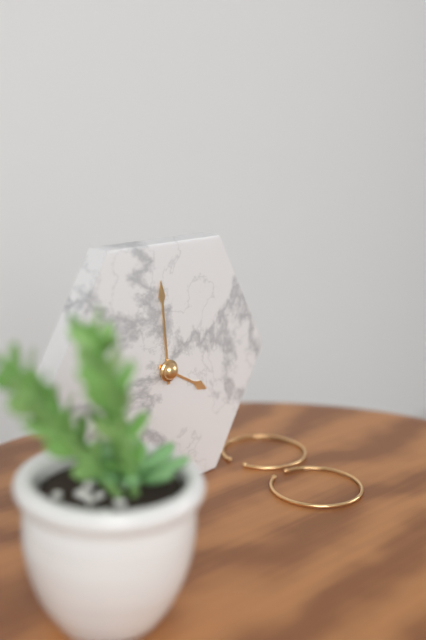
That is 3 h 59 min
